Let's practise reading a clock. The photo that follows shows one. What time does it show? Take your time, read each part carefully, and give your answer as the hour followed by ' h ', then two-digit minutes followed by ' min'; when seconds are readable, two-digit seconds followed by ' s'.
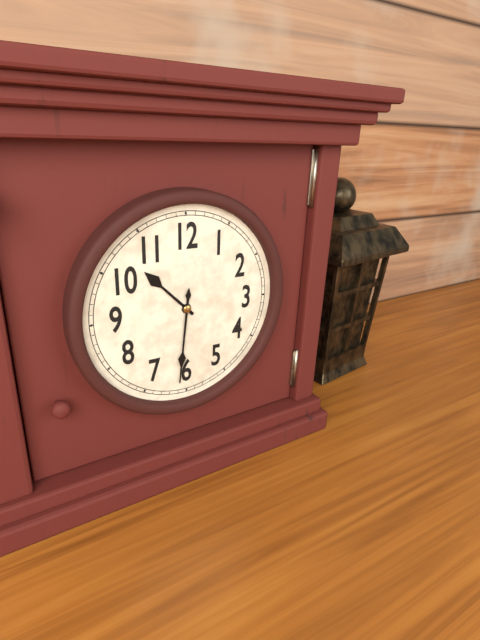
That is 10 h 31 min
